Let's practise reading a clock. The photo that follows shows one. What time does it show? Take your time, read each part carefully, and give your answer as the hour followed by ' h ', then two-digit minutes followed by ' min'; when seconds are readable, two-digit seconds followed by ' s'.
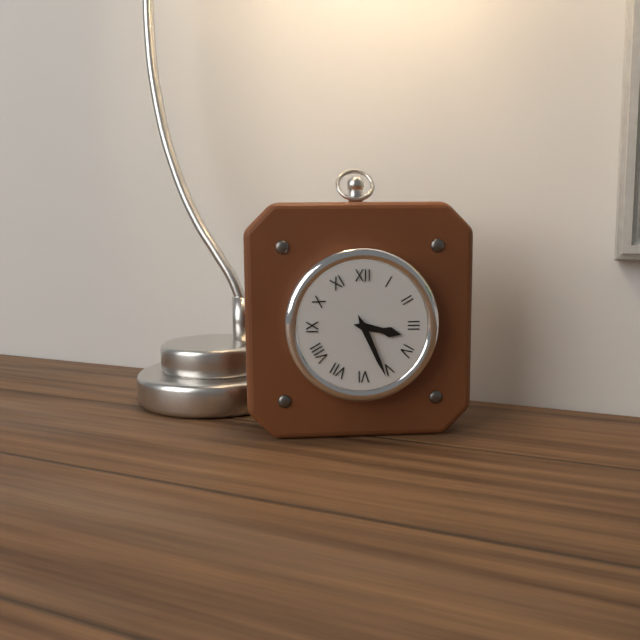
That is 3 h 26 min
